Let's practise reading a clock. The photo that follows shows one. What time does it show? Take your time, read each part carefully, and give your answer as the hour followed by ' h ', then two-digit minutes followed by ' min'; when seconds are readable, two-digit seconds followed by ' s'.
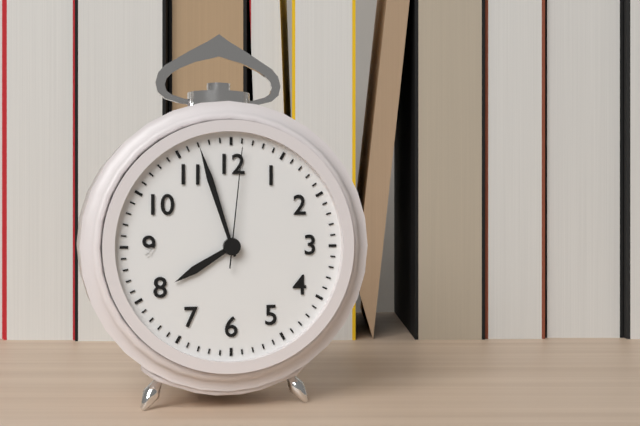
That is 7 h 57 min 01 s
